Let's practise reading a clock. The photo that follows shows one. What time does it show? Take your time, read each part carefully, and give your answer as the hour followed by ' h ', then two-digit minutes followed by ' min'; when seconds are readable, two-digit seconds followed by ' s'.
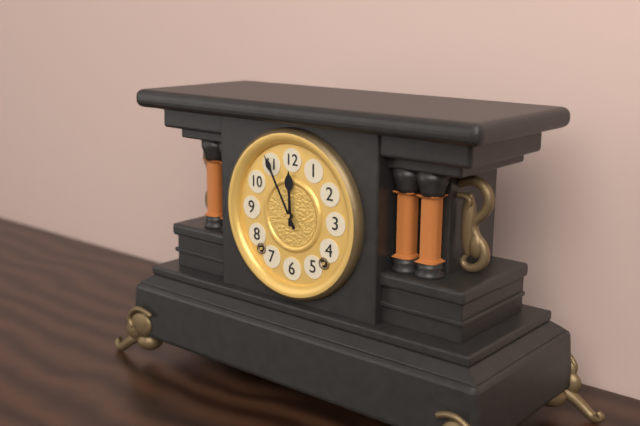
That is 11 h 55 min
